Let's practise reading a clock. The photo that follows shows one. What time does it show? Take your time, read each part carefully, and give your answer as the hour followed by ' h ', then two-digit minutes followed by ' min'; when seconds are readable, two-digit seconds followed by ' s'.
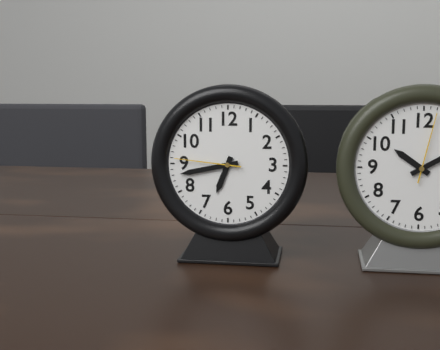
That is 6 h 43 min 46 s
